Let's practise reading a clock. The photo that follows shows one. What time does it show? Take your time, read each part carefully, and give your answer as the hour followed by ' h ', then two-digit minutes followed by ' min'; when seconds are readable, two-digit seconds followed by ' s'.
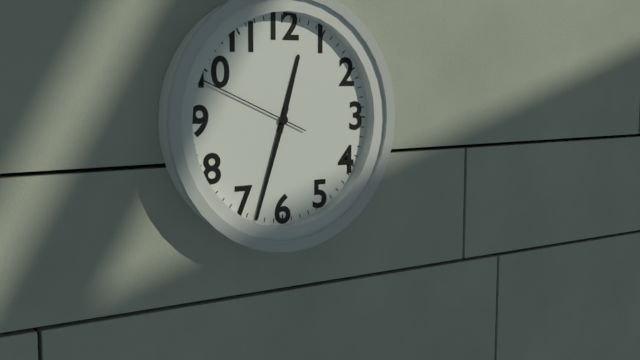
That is 12 h 33 min 49 s
